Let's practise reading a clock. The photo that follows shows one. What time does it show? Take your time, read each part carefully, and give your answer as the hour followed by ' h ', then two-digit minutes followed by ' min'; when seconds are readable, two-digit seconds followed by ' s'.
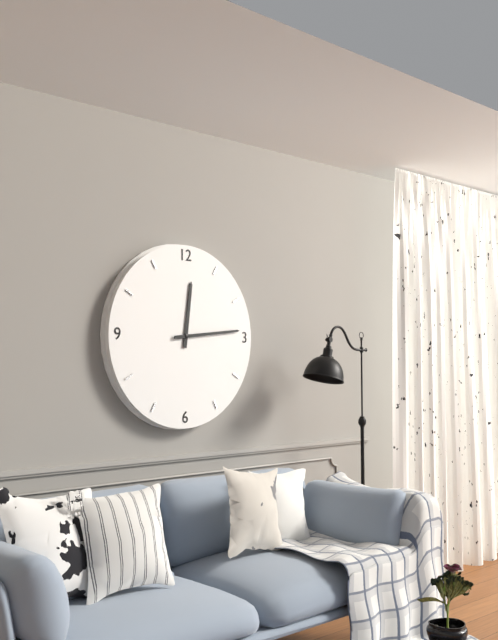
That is 12 h 14 min
